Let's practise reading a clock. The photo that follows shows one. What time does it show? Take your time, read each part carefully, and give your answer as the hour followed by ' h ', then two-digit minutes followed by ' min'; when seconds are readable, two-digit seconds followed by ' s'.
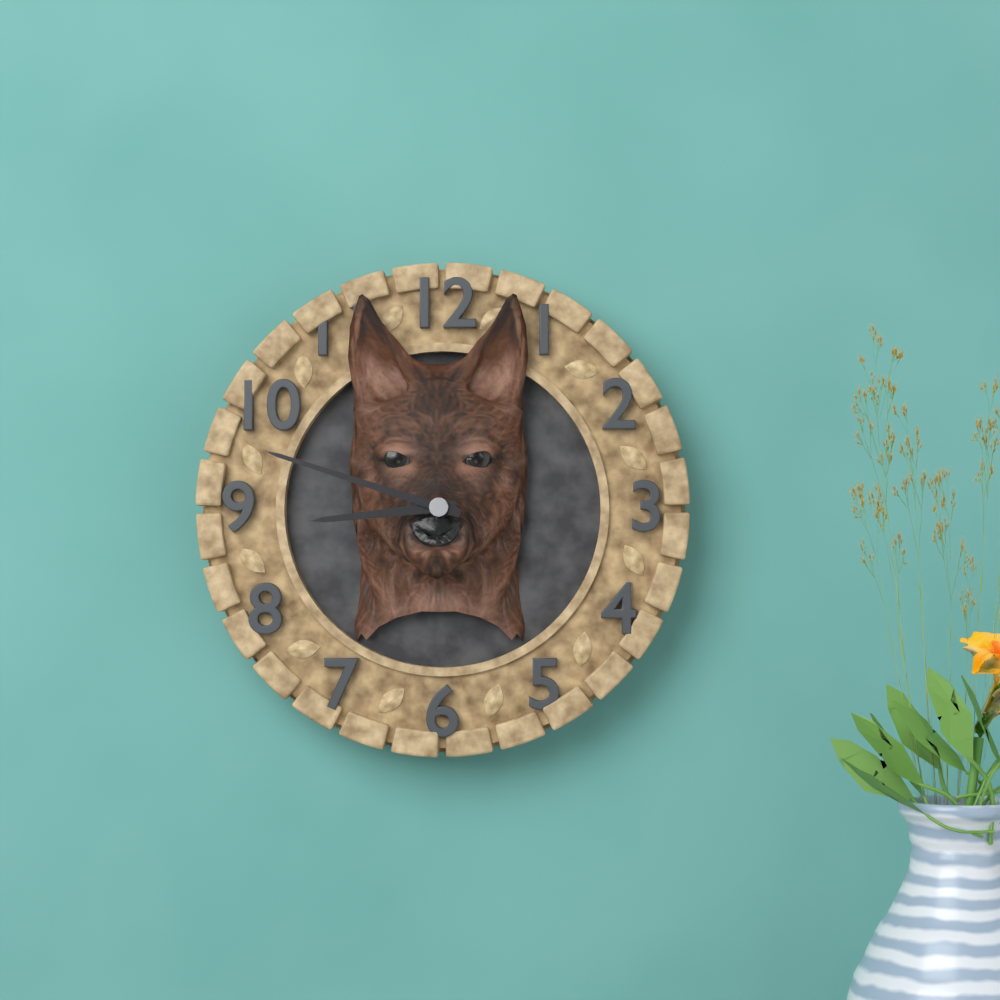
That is 8 h 48 min
